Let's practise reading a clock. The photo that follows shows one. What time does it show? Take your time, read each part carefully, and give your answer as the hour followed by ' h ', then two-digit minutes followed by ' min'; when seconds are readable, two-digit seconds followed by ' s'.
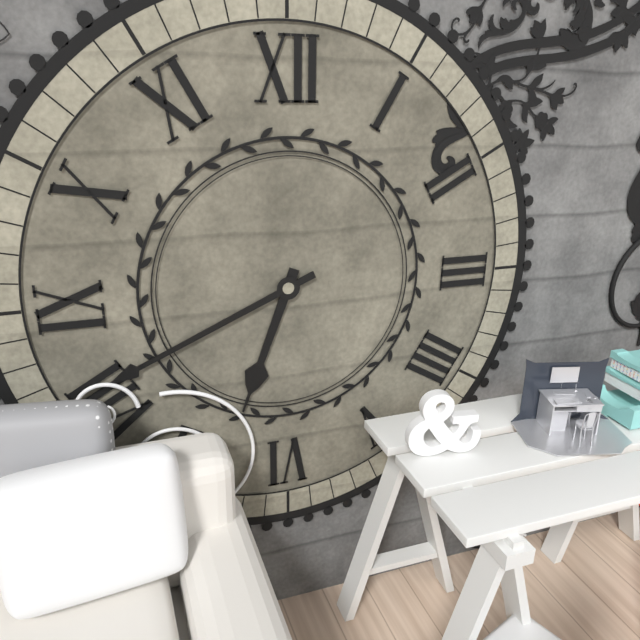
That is 6 h 41 min
